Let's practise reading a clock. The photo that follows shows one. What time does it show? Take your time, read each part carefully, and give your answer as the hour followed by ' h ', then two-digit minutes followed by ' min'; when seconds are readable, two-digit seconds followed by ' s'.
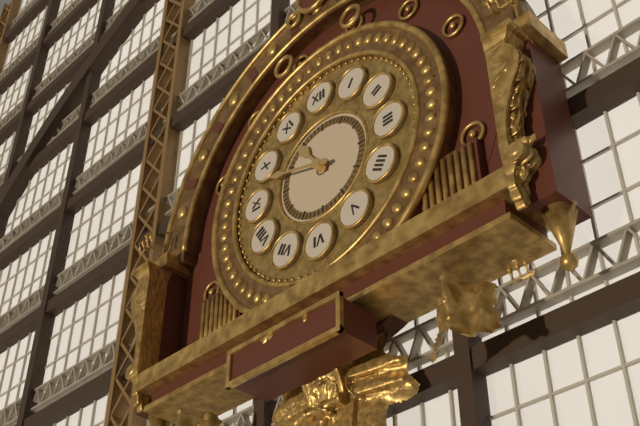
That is 10 h 48 min
